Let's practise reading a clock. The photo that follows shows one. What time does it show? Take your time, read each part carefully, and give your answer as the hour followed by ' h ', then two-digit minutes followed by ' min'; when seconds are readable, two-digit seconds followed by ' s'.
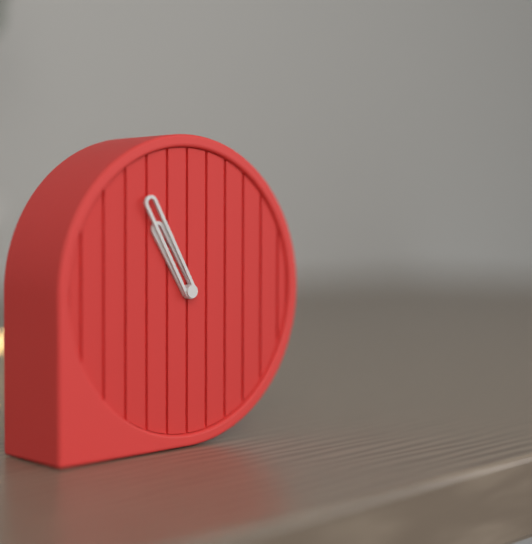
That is 10 h 55 min
